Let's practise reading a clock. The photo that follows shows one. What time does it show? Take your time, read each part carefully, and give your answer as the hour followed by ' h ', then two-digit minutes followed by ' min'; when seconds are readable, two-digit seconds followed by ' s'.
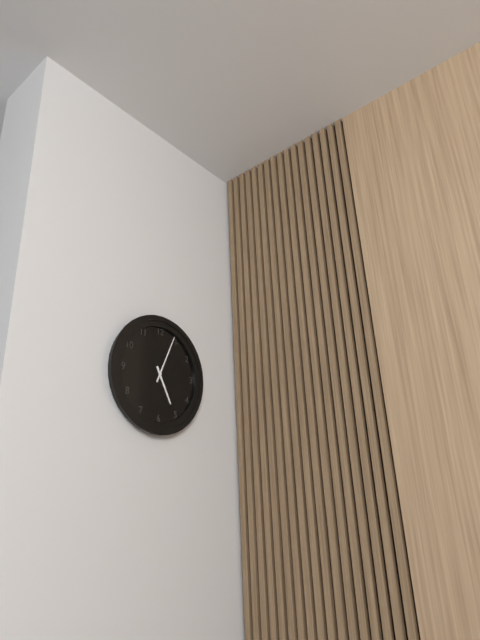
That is 5 h 04 min
